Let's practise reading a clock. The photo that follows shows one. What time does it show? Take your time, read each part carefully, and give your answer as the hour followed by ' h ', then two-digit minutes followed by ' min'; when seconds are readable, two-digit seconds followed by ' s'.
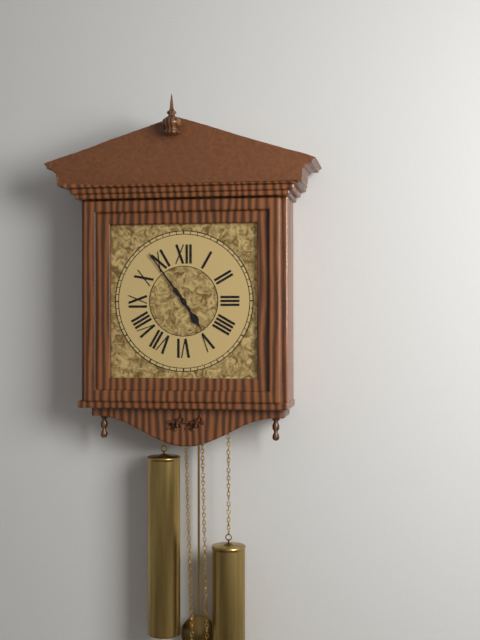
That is 4 h 54 min
